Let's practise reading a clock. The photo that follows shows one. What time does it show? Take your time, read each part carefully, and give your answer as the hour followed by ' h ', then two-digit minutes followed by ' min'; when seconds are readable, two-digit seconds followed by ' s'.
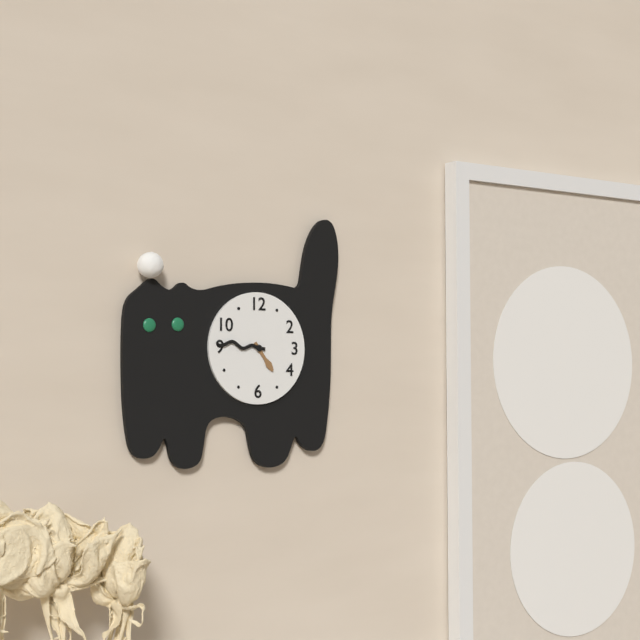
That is 4 h 46 min
